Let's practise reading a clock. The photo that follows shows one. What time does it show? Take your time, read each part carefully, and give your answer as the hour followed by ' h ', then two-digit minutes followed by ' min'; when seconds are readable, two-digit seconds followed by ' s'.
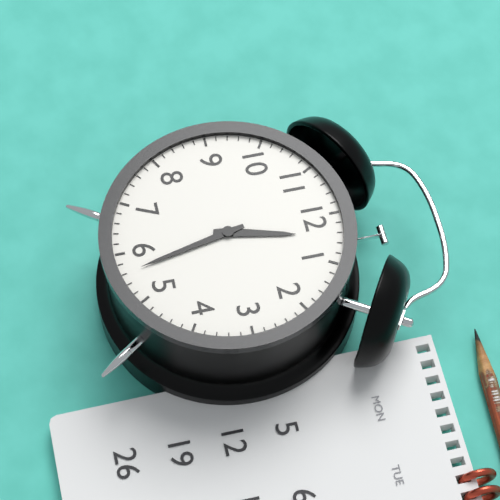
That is 12 h 28 min
